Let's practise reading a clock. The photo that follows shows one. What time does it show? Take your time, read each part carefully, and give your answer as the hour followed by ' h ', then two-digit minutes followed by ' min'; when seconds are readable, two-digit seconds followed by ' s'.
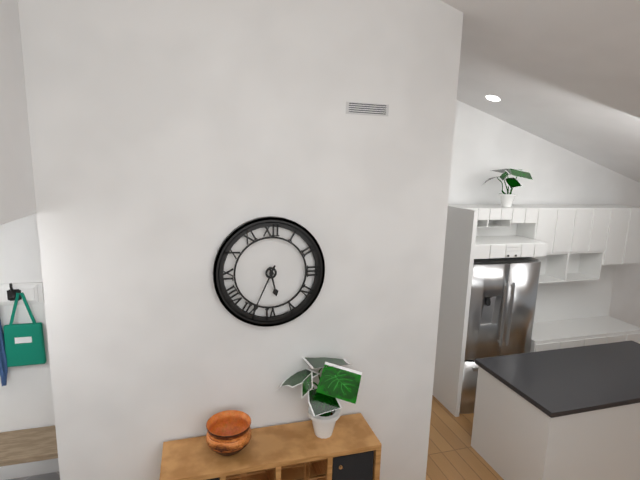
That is 5 h 34 min
